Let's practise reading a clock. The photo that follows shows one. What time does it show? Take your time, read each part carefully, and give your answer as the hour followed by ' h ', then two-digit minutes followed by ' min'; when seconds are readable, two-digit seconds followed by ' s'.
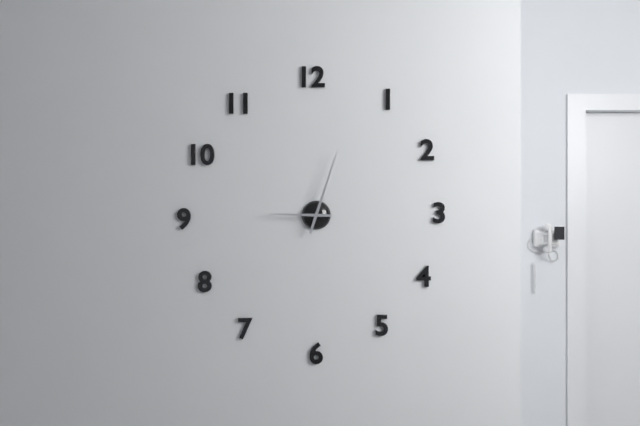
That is 9 h 03 min
